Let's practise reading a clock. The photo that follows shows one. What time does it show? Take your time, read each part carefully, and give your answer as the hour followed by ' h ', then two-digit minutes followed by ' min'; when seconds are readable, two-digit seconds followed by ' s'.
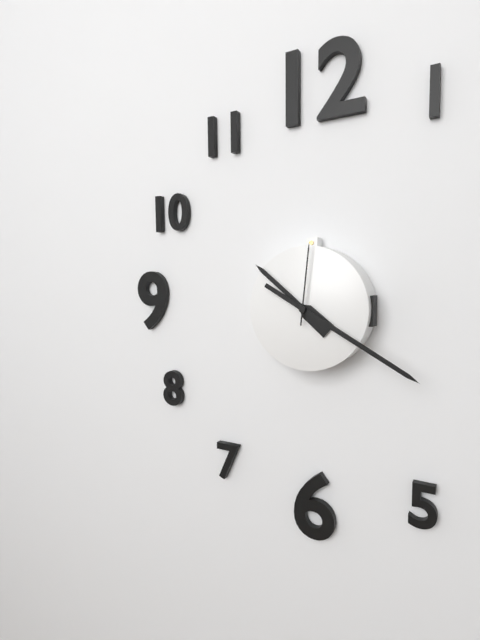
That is 10 h 20 min 01 s
